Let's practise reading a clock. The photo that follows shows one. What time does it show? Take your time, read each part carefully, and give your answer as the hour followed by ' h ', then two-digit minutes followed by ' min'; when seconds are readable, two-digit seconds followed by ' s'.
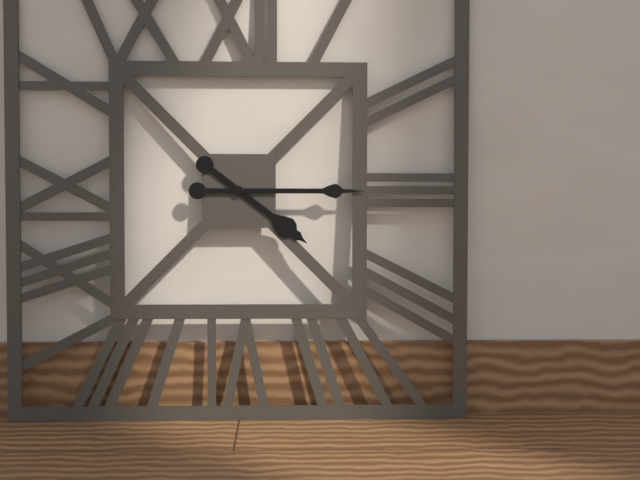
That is 4 h 15 min
